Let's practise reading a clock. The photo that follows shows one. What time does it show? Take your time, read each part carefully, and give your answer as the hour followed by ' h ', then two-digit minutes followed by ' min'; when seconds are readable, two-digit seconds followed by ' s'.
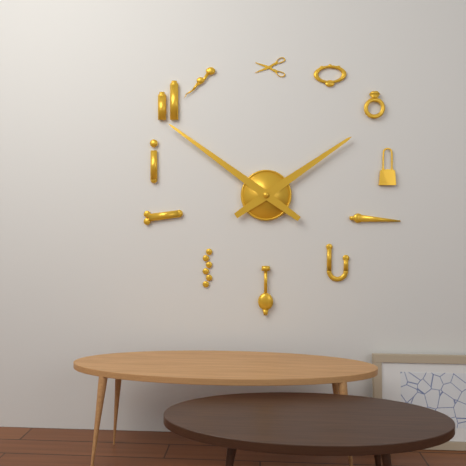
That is 1 h 51 min
